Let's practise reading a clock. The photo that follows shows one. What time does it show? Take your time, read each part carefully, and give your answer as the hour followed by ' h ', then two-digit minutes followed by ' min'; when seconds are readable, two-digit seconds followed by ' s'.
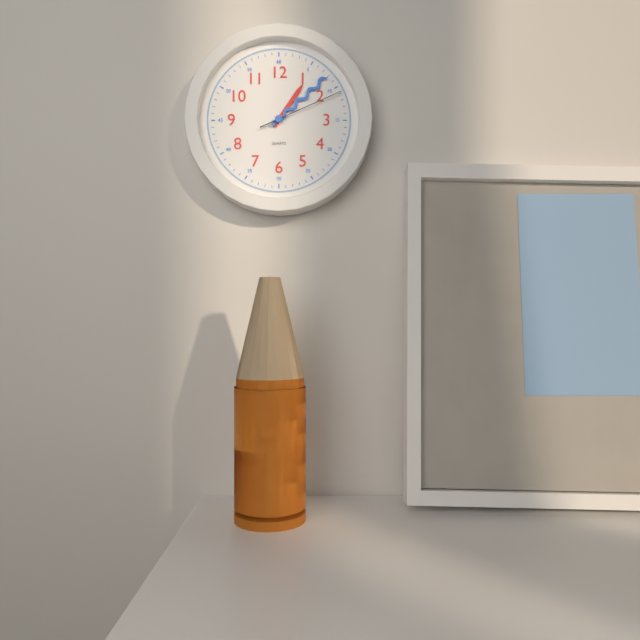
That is 1 h 08 min 11 s
